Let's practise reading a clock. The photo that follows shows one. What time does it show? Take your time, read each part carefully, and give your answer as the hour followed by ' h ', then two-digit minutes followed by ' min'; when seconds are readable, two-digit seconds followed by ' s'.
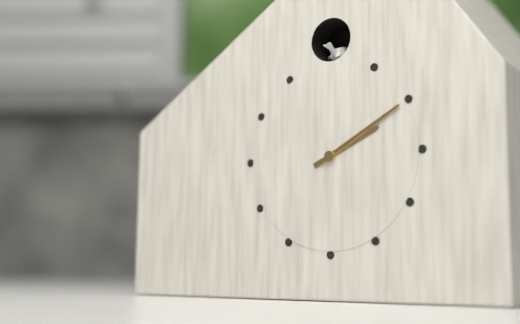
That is 2 h 10 min
